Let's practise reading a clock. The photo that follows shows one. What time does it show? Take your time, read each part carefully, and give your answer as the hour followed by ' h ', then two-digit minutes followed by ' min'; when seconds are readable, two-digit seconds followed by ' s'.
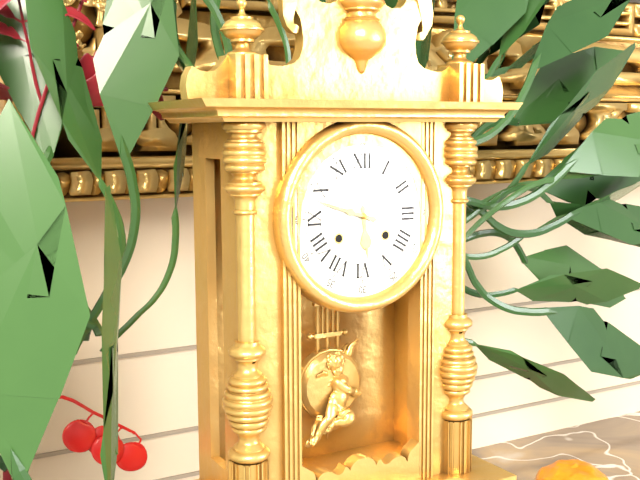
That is 5 h 48 min
